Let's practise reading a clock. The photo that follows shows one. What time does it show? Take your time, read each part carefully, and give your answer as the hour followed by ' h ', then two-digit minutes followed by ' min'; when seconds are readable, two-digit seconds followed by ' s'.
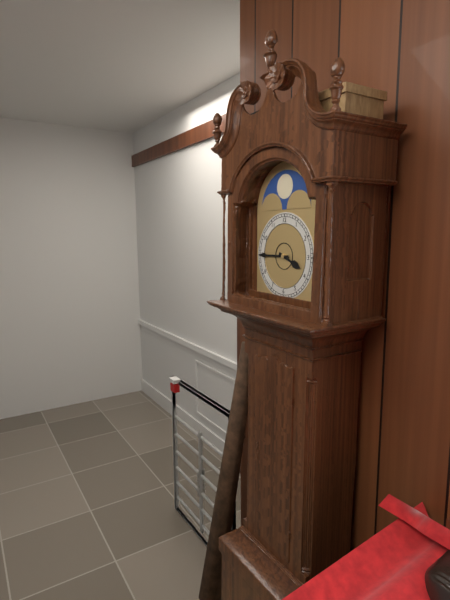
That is 3 h 45 min
